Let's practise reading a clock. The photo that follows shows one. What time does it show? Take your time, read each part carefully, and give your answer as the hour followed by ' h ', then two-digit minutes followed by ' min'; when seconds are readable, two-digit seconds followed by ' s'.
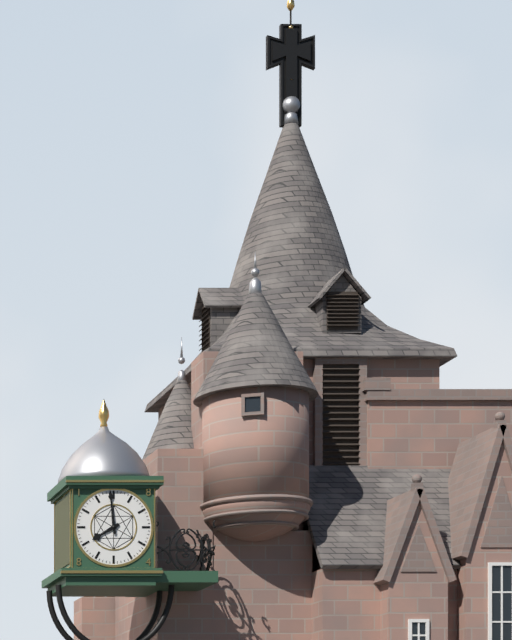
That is 7 h 59 min
